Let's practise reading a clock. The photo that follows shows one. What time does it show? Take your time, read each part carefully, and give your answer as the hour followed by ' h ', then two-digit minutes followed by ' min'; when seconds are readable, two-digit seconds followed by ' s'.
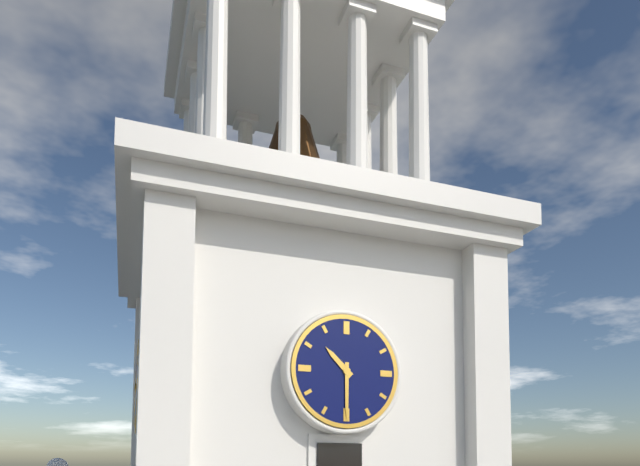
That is 10 h 30 min
